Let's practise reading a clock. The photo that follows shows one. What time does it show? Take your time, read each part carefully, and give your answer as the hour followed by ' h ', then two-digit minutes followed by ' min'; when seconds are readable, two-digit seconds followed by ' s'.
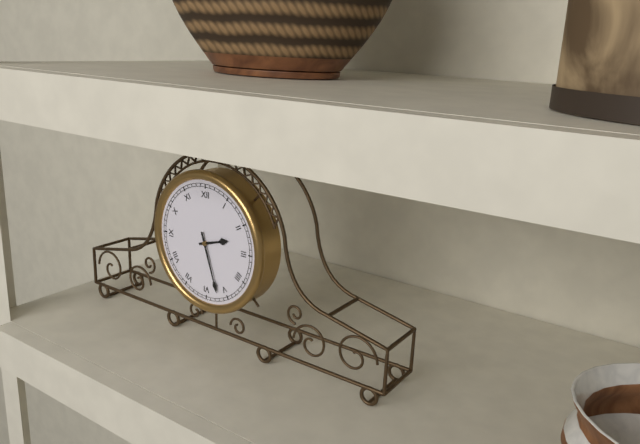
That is 2 h 27 min
